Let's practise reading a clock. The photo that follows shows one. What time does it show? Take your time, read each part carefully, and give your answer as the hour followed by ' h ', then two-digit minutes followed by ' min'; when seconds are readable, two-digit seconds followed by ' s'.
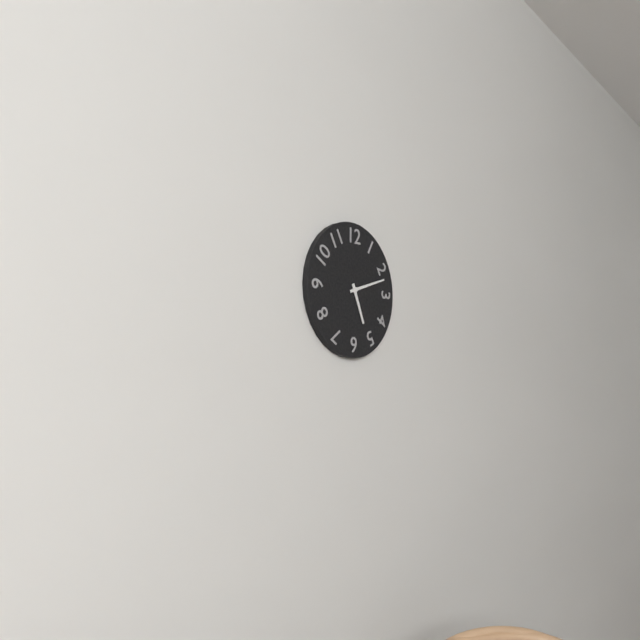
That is 5 h 12 min
